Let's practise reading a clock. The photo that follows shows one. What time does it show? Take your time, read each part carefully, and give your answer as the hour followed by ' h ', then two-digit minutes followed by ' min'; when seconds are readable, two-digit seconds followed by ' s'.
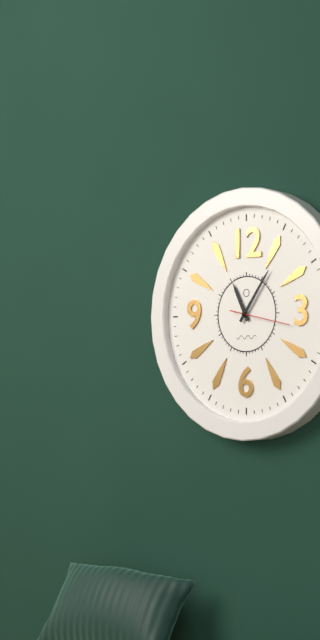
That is 11 h 06 min 17 s
